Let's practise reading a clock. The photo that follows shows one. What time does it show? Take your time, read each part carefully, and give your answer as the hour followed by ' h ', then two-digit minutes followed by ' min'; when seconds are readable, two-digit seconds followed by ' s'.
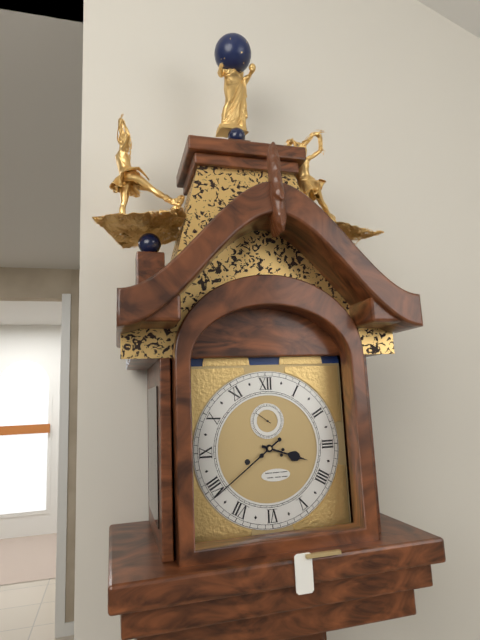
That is 3 h 39 min
